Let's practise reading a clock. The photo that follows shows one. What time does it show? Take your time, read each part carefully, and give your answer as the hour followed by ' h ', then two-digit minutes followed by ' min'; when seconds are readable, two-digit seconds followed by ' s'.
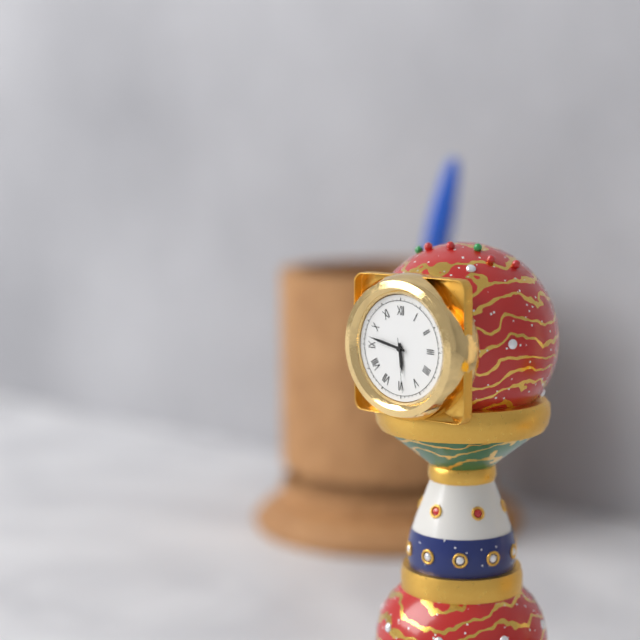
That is 5 h 47 min 29 s
